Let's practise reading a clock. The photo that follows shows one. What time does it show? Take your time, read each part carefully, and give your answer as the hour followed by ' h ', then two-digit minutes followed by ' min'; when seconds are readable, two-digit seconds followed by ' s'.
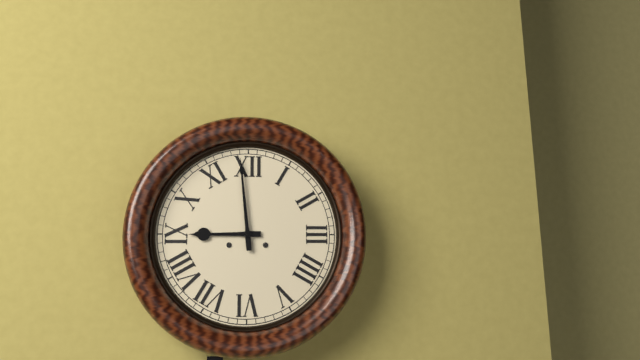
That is 8 h 59 min
